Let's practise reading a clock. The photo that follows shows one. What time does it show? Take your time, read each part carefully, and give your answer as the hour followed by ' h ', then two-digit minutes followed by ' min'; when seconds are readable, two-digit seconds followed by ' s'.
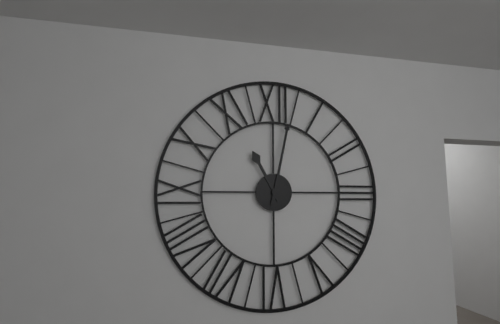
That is 11 h 02 min
